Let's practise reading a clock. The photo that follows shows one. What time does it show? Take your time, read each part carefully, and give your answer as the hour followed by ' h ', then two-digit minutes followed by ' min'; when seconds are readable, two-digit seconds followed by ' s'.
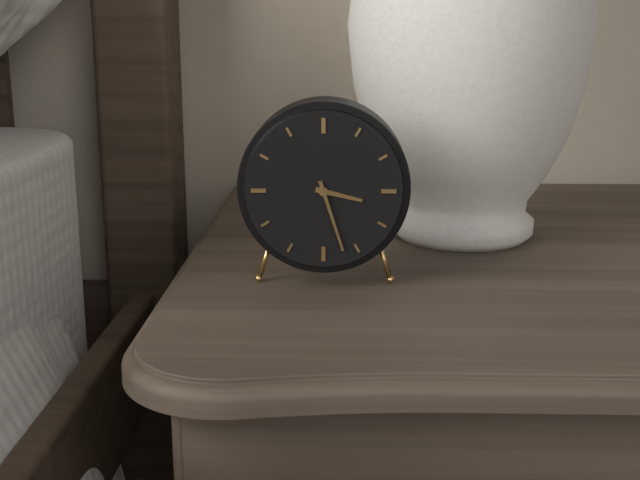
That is 3 h 27 min
